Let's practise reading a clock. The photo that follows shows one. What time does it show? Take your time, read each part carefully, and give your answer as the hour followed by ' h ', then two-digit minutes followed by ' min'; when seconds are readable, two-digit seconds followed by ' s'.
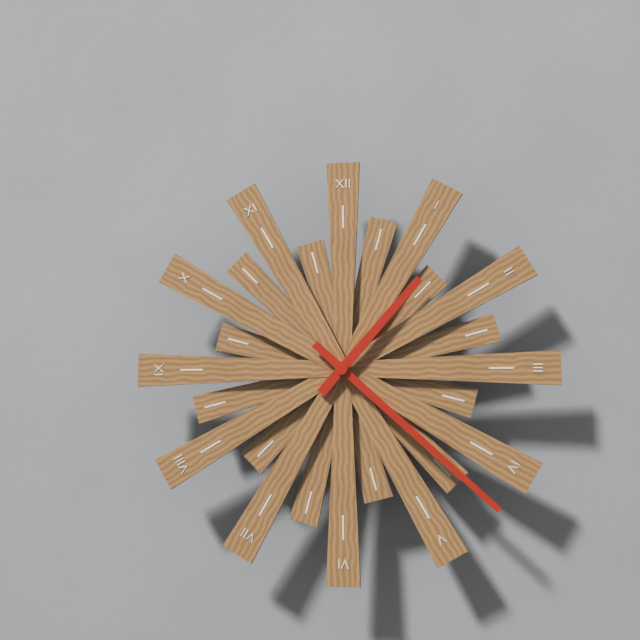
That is 1 h 22 min
